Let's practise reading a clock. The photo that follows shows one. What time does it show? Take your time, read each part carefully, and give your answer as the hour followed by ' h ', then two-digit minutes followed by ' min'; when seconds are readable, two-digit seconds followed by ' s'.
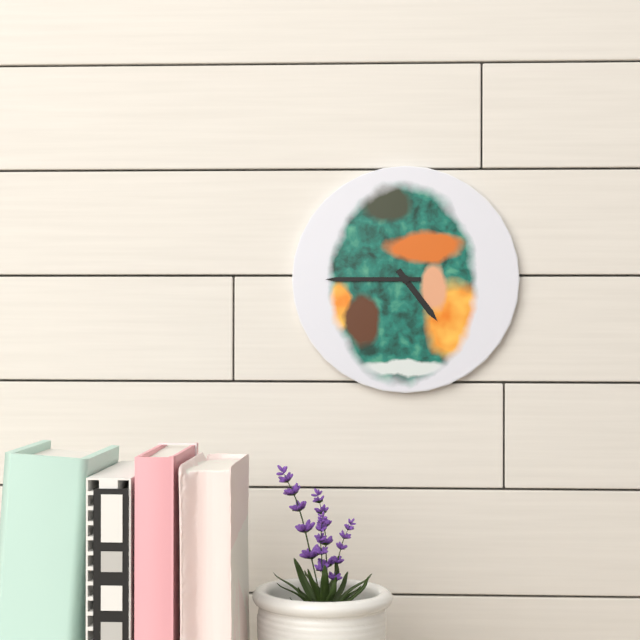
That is 4 h 45 min
